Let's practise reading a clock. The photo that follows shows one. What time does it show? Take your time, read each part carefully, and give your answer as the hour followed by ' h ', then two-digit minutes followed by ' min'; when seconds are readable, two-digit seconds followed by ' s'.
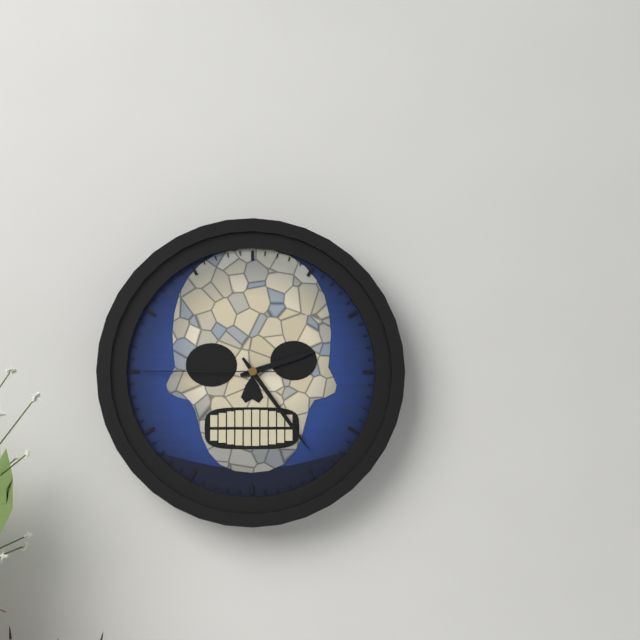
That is 2 h 24 min 45 s
